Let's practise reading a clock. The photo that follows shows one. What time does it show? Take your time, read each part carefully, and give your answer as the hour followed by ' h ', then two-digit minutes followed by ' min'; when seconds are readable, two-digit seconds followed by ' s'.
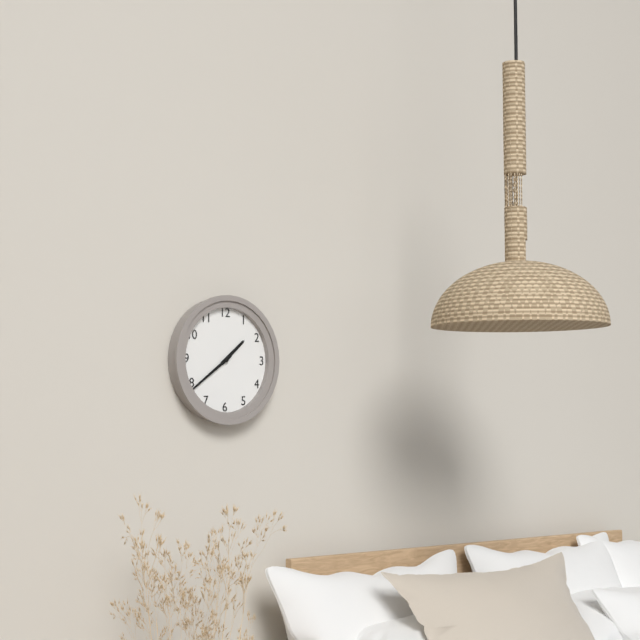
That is 1 h 39 min
